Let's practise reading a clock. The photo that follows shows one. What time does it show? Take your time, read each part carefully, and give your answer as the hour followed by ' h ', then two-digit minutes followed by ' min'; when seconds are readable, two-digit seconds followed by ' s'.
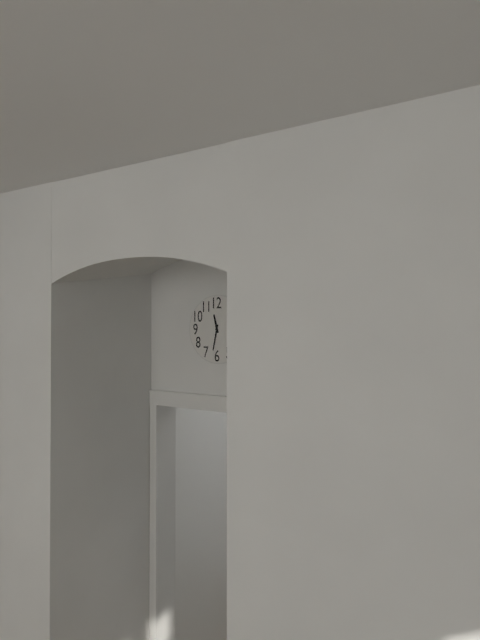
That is 11 h 32 min
